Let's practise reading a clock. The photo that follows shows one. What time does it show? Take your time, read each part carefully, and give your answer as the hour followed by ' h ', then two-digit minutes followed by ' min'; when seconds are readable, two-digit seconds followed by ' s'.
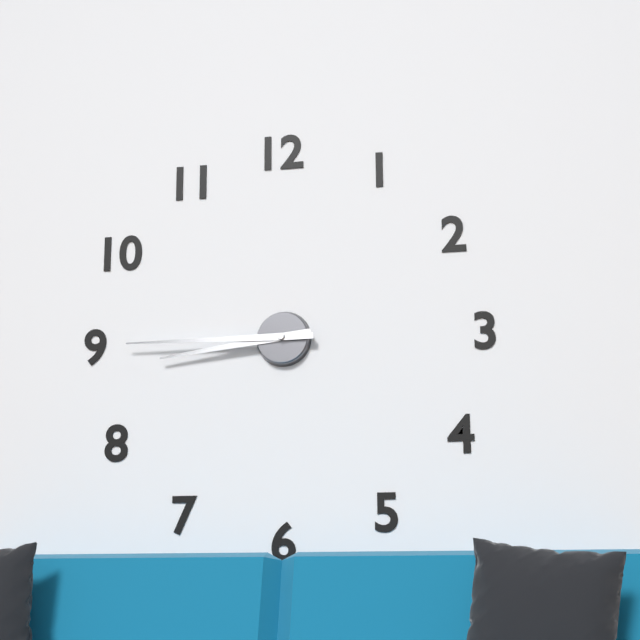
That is 8 h 45 min
